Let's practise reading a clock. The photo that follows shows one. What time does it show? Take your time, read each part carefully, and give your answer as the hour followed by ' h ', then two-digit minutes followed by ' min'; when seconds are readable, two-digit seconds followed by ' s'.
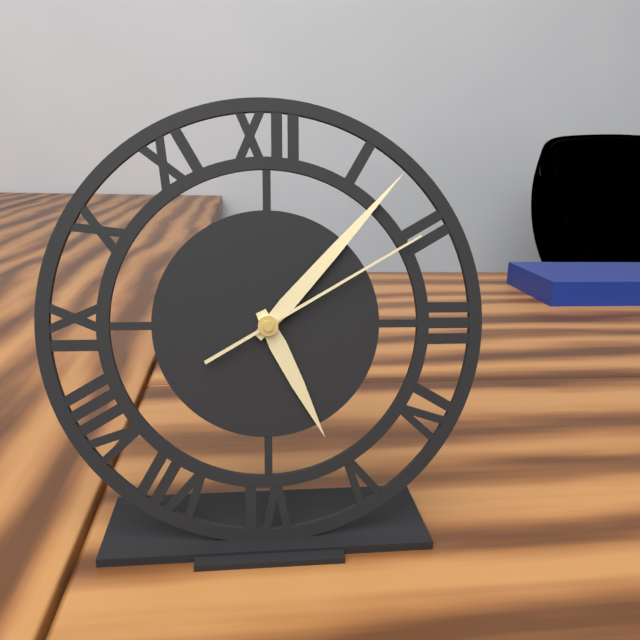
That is 5 h 07 min 10 s
